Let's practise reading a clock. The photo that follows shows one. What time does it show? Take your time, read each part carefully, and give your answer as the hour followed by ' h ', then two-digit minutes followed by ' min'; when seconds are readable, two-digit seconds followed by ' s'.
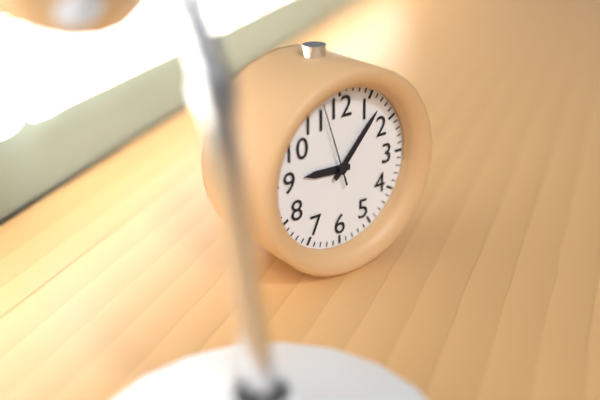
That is 9 h 07 min 57 s
